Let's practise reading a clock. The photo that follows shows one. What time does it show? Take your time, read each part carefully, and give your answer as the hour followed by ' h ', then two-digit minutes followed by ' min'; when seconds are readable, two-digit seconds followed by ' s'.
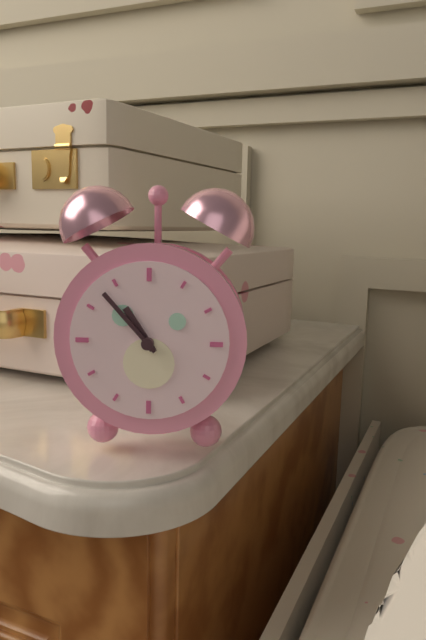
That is 10 h 53 min
